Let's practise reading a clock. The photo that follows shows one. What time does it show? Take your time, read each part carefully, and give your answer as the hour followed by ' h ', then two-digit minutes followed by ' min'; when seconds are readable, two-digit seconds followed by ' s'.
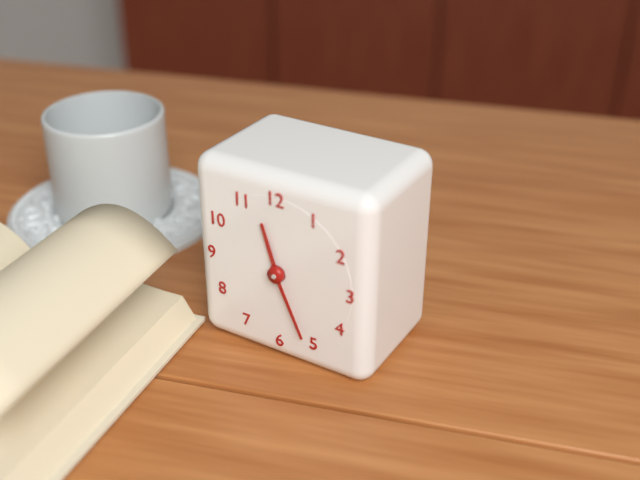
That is 11 h 26 min
